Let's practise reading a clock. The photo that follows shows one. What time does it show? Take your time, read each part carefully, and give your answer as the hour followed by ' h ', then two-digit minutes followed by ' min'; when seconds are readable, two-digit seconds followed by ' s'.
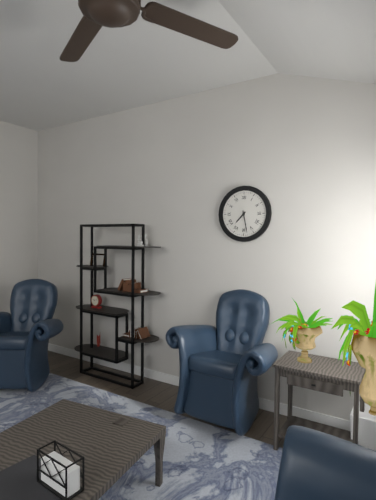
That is 7 h 28 min
